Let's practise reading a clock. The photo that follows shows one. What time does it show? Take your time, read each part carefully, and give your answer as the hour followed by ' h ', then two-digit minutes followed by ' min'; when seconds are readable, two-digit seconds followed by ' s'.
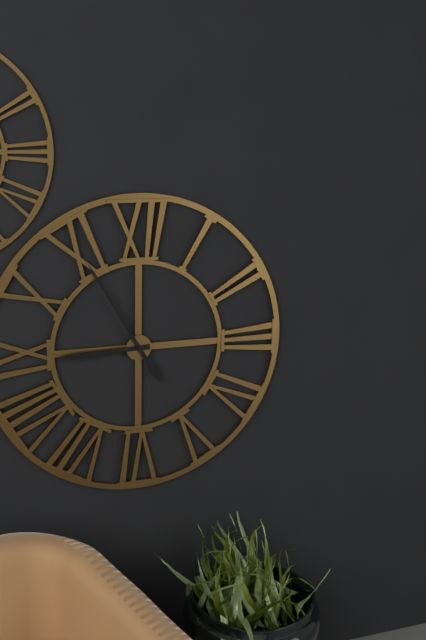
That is 8 h 55 min
